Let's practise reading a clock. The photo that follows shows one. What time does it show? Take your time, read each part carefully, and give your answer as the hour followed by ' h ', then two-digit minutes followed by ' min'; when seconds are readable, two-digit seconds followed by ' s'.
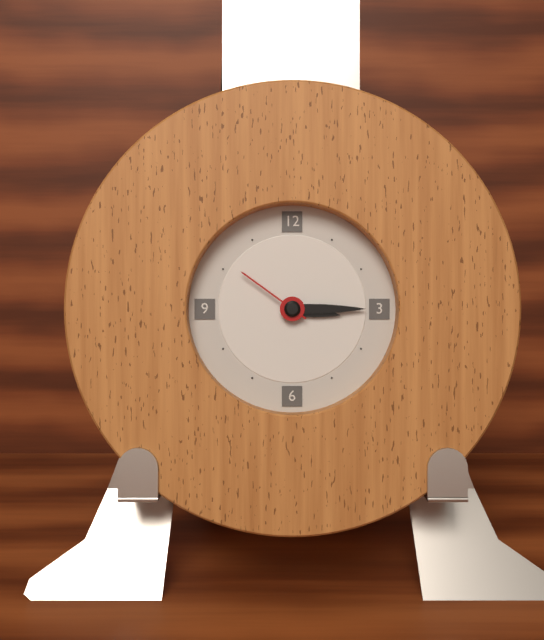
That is 3 h 15 min 51 s
